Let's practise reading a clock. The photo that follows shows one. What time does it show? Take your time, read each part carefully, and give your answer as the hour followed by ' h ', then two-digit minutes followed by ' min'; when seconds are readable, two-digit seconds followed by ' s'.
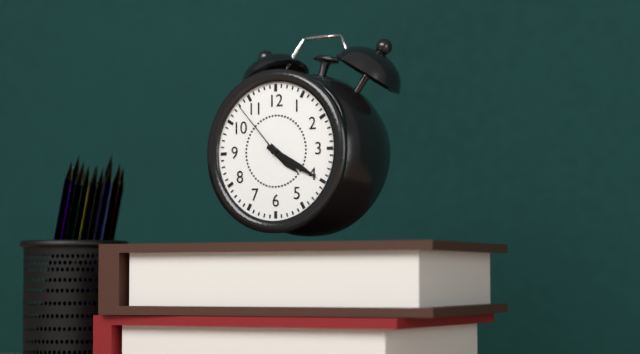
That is 4 h 20 min 53 s
